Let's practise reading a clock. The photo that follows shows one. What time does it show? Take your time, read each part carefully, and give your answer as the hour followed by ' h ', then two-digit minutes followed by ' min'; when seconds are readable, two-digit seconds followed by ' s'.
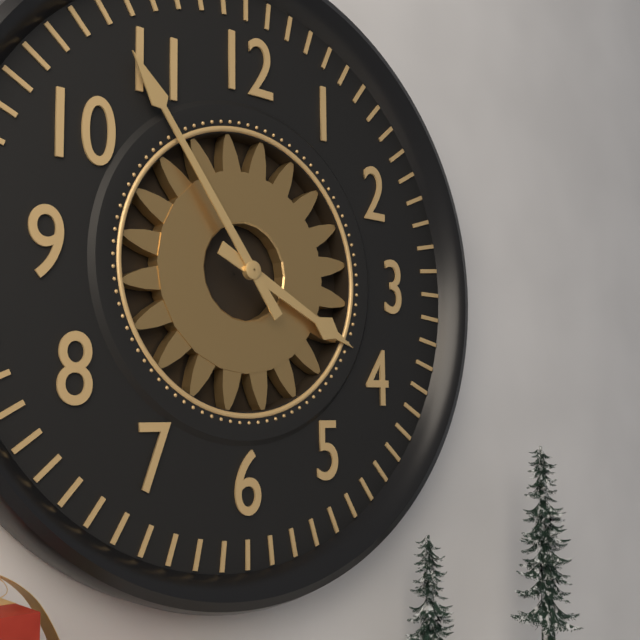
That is 3 h 54 min
